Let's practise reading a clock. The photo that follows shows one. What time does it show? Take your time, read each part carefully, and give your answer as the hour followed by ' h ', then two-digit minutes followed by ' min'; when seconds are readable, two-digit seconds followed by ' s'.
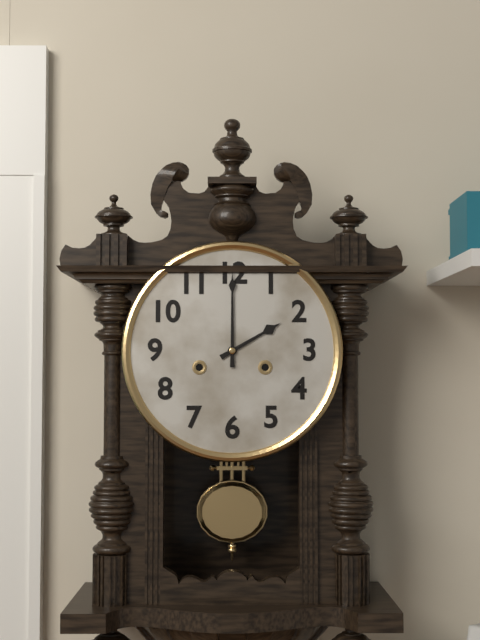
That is 2 h 00 min
